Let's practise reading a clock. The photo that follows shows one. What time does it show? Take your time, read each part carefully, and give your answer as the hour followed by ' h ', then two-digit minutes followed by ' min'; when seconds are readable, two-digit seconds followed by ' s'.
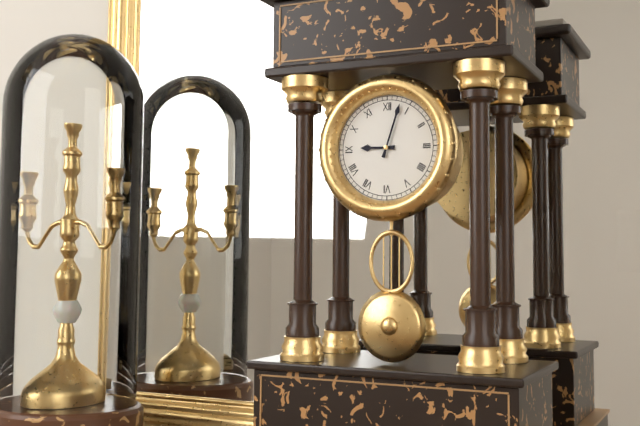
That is 9 h 03 min
